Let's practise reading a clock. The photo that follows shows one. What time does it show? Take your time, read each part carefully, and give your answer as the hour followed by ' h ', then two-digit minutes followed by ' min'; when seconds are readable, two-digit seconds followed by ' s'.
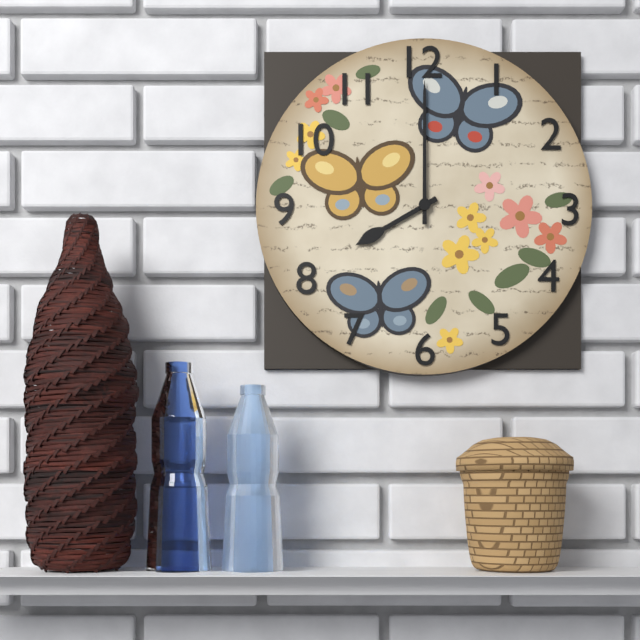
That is 8 h 00 min
